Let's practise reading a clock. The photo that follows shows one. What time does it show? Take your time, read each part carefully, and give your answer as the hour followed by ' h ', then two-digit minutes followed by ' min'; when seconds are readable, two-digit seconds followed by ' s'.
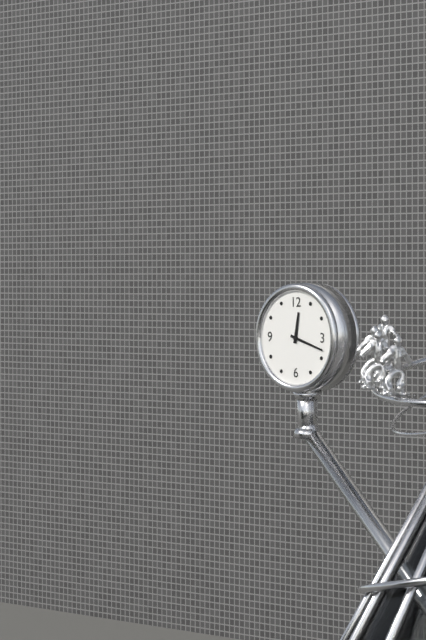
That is 12 h 18 min
